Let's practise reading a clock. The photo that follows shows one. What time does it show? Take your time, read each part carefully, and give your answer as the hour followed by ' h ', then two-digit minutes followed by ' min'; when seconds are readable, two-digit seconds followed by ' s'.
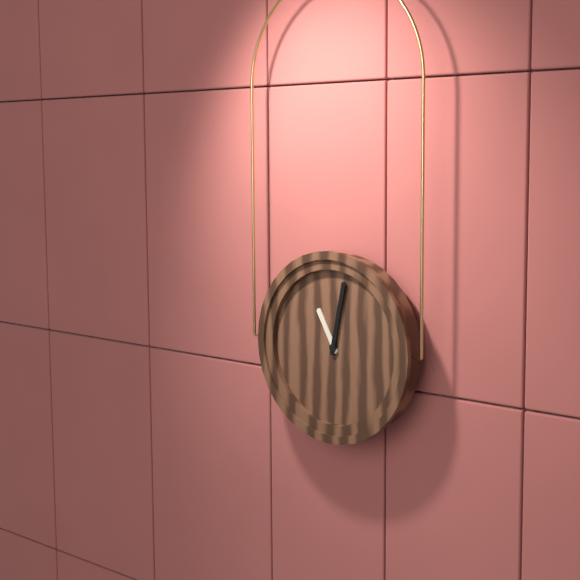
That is 11 h 02 min
